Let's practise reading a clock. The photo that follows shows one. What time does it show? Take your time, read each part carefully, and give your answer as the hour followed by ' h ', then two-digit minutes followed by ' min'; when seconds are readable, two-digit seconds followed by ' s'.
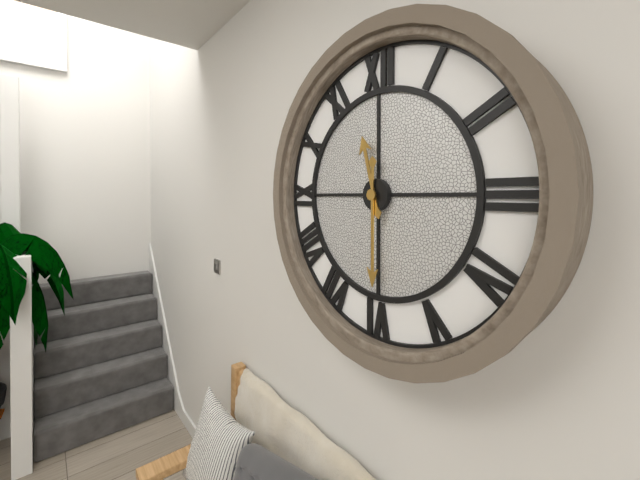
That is 11 h 30 min
